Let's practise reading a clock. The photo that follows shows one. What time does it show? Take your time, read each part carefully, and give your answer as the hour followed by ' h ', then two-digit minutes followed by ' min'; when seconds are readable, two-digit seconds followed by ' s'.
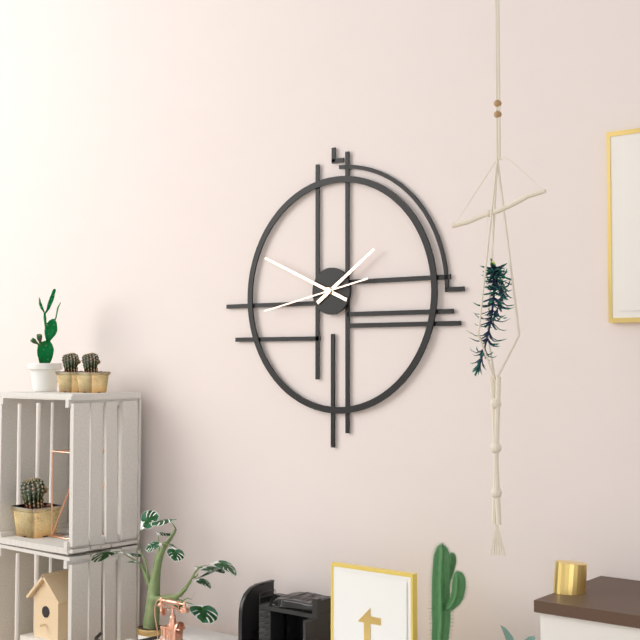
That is 1 h 49 min 43 s
